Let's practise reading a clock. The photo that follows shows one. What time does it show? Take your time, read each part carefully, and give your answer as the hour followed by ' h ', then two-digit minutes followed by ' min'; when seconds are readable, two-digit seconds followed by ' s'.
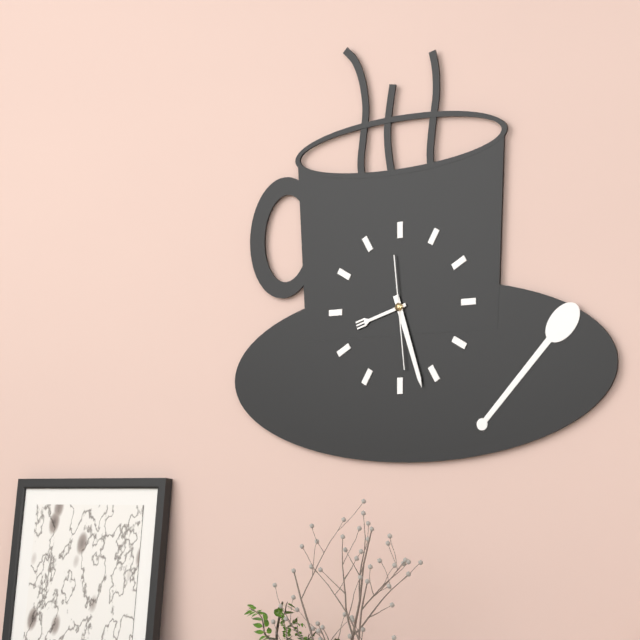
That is 8 h 27 min 29 s
